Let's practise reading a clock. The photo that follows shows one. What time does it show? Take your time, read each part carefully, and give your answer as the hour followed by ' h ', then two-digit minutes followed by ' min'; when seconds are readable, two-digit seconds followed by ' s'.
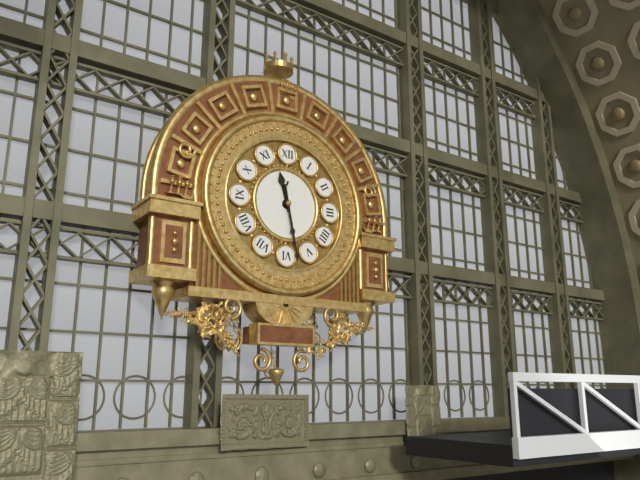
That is 11 h 28 min
